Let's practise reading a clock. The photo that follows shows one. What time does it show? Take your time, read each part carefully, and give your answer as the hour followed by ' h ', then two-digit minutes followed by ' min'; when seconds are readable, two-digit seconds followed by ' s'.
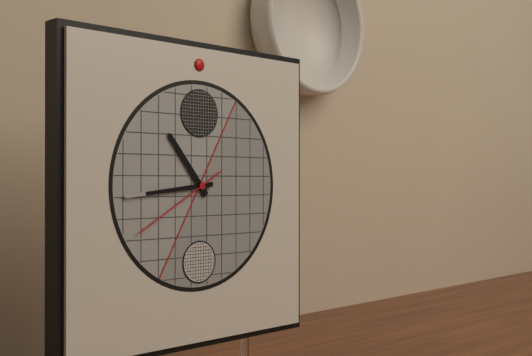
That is 10 h 44 min 40 s
